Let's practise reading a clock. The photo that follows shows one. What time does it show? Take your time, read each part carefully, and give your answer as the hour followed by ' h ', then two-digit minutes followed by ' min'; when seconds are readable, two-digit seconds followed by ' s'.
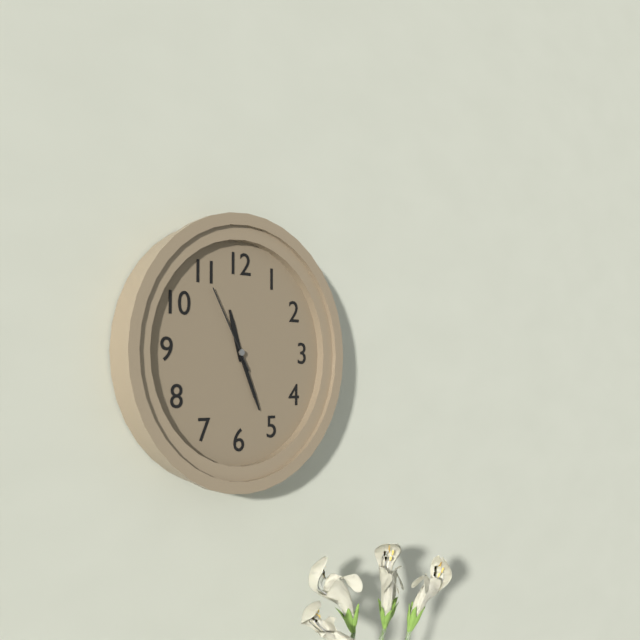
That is 11 h 26 min 55 s
